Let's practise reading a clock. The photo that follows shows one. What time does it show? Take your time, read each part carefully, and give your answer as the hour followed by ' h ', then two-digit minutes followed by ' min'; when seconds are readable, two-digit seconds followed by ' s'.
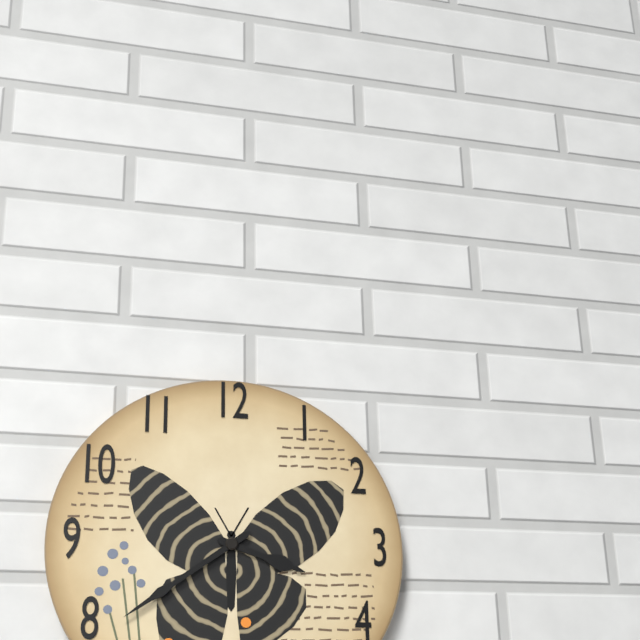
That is 3 h 39 min
